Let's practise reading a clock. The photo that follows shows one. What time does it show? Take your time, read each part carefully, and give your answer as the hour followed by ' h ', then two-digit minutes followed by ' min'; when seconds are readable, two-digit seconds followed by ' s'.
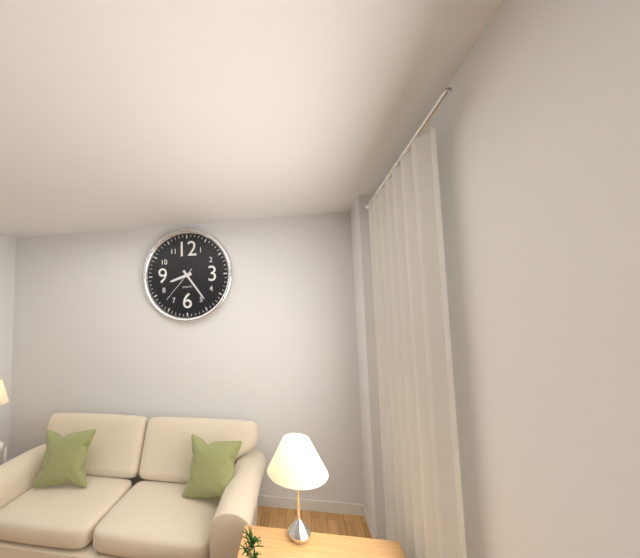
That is 8 h 24 min
